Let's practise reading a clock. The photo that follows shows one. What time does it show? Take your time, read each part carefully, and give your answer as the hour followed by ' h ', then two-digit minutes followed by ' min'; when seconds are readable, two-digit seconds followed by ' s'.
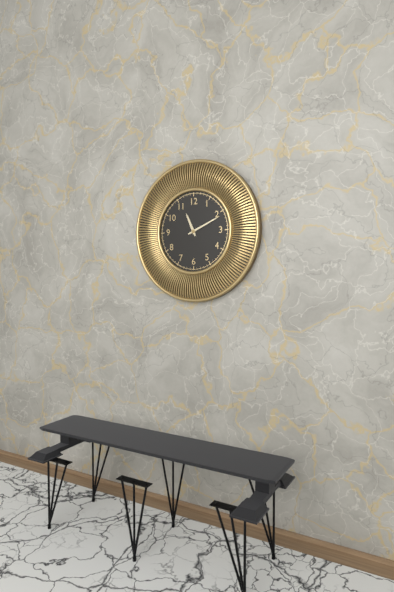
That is 11 h 11 min
